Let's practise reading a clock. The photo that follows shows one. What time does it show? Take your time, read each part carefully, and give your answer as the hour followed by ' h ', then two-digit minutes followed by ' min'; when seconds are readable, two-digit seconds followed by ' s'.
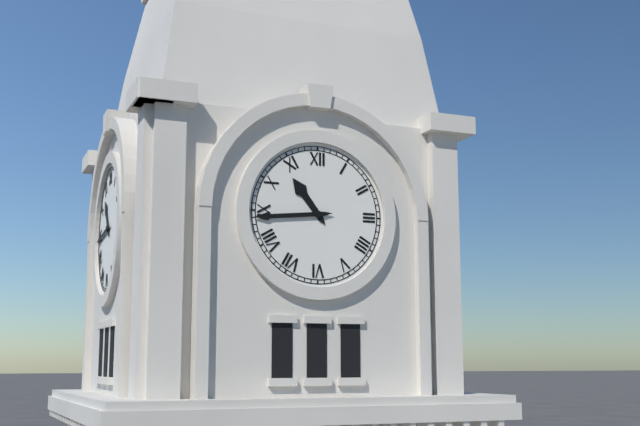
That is 10 h 44 min
